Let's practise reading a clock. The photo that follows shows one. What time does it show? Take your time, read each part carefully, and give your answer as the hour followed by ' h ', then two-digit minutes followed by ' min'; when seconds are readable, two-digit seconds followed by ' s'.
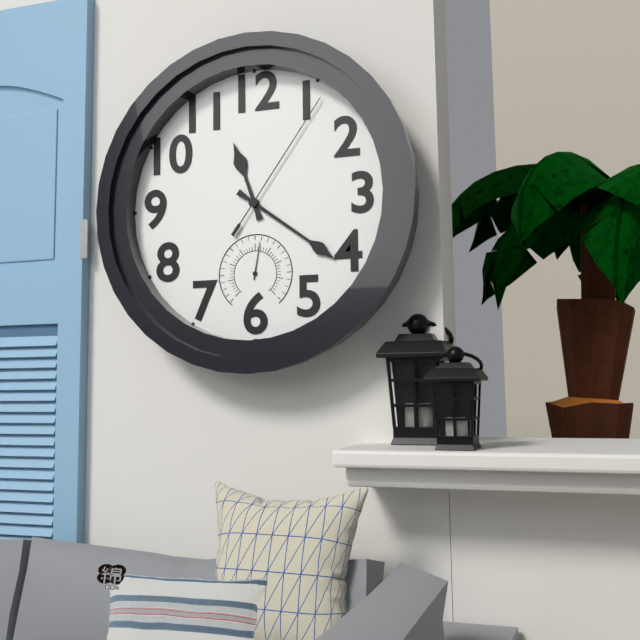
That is 11 h 21 min 06 s
